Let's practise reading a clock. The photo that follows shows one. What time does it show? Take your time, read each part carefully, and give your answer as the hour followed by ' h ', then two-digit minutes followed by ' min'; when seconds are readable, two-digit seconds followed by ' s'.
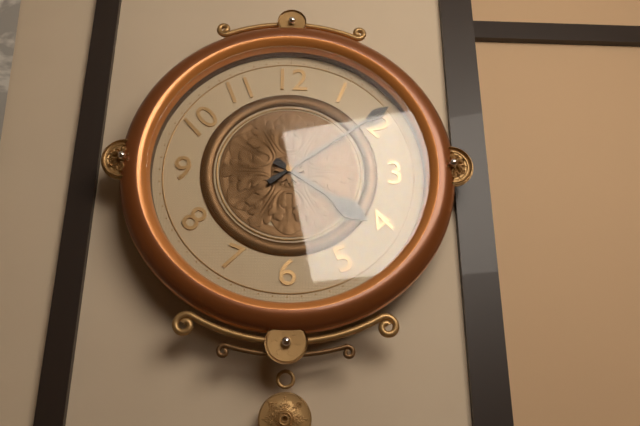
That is 4 h 09 min
